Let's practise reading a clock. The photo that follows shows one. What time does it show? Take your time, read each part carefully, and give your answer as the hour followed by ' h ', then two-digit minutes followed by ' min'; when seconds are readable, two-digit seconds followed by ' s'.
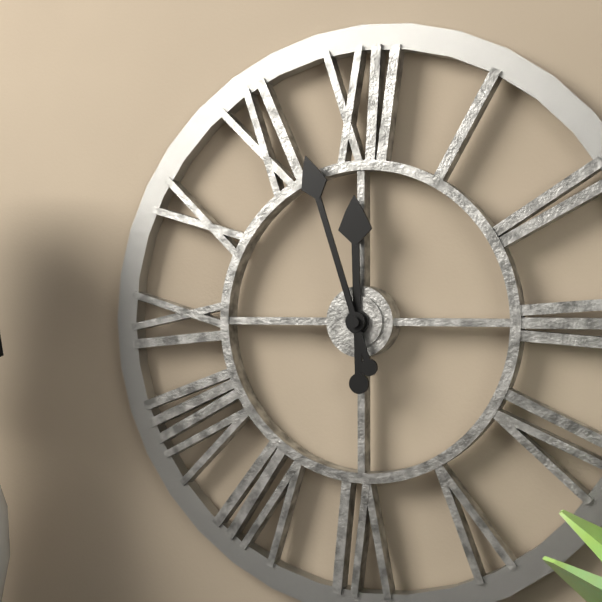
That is 11 h 57 min
